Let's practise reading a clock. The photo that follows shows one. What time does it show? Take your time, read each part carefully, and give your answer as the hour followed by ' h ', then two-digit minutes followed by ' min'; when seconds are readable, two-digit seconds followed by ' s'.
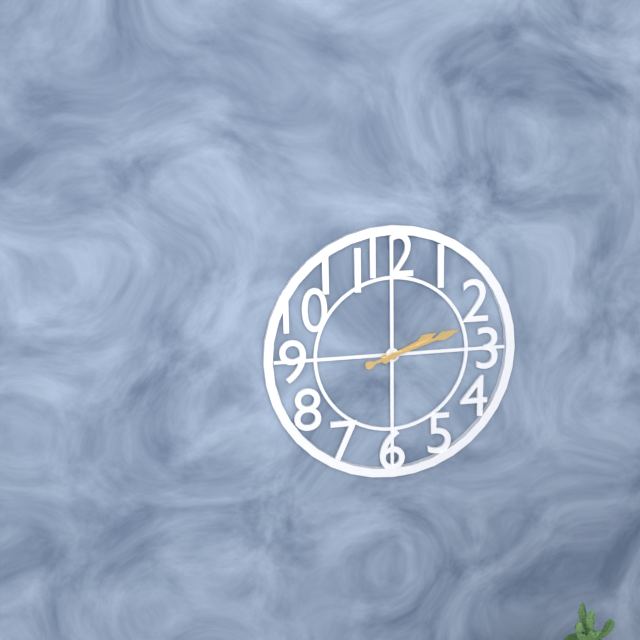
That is 2 h 12 min
